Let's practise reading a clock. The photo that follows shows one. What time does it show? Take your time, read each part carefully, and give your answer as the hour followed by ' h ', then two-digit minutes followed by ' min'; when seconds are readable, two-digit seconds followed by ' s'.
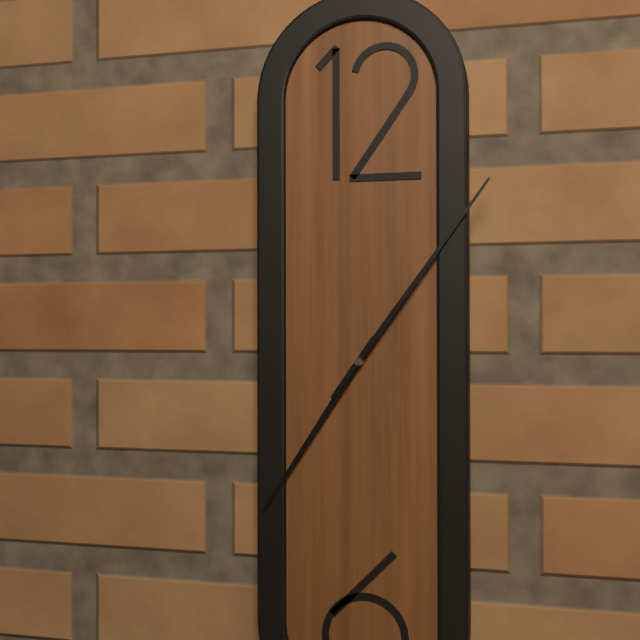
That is 7 h 06 min
